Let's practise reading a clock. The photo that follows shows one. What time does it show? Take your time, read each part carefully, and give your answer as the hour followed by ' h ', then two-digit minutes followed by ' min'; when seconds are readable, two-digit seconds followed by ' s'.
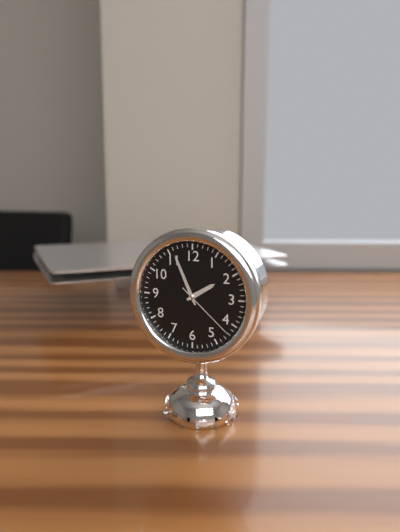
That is 1 h 56 min 22 s
